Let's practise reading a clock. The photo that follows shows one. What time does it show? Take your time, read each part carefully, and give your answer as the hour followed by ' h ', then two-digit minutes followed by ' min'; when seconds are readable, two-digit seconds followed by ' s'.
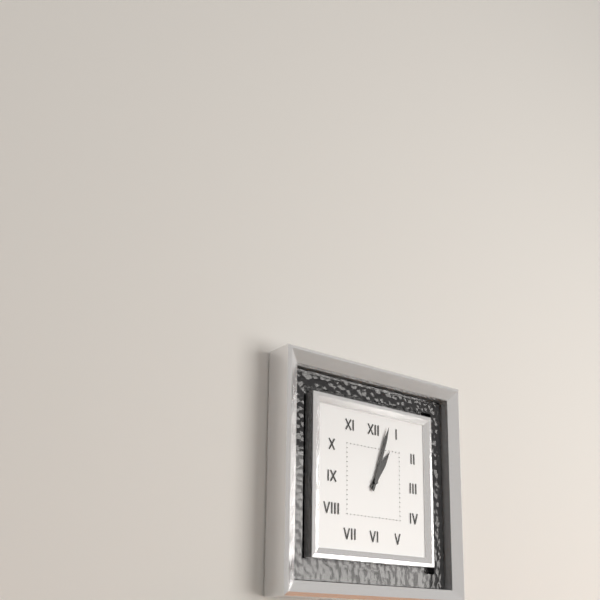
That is 1 h 03 min
